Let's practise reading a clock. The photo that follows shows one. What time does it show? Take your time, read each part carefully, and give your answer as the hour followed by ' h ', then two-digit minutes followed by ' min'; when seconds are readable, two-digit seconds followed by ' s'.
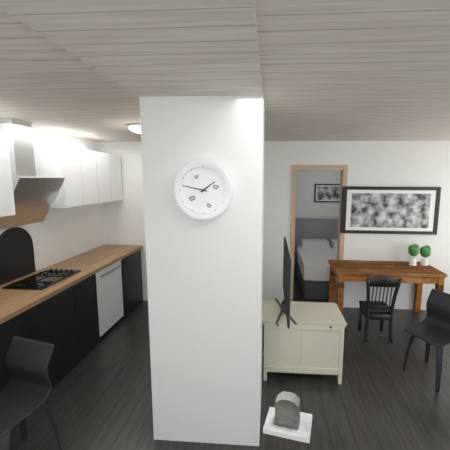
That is 1 h 47 min
